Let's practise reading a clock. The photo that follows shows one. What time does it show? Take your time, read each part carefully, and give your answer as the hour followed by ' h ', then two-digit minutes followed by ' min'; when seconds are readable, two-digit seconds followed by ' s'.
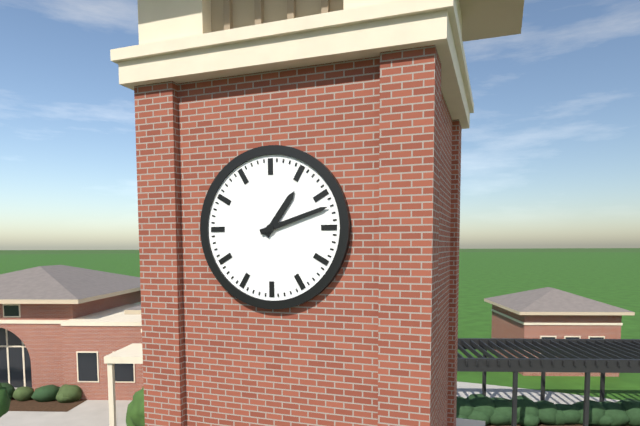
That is 1 h 12 min
